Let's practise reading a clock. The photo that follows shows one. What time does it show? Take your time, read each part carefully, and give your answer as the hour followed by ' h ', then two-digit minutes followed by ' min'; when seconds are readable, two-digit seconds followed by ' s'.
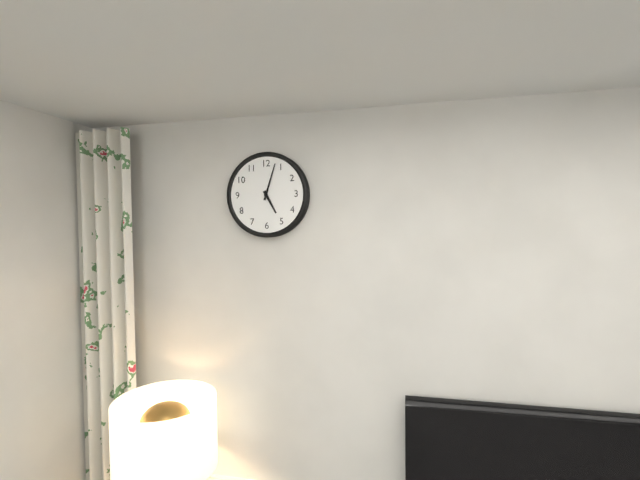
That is 5 h 03 min
